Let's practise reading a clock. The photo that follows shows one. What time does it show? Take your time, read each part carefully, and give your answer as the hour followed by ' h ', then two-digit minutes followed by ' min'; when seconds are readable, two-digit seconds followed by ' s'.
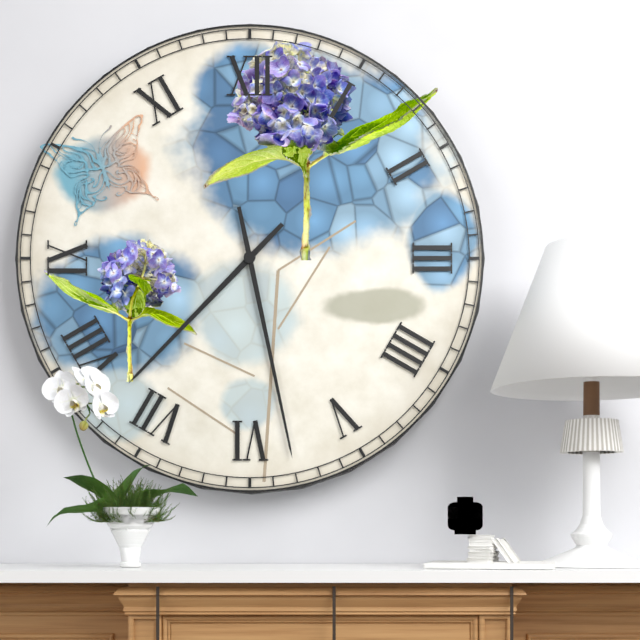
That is 7 h 28 min
